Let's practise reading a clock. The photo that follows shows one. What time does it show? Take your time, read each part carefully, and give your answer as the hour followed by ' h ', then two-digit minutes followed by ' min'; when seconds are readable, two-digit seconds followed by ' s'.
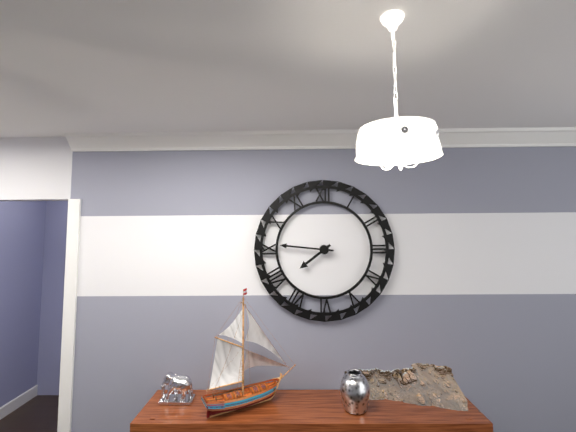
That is 7 h 46 min
